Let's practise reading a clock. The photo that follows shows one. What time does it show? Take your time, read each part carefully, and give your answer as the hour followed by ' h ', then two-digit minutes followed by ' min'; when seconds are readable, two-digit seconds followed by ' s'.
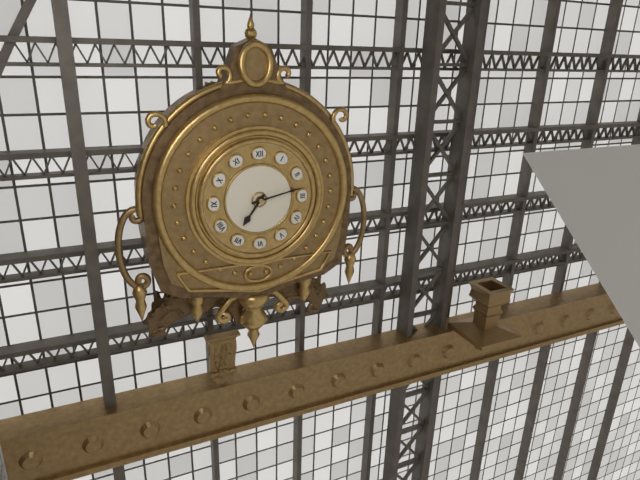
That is 7 h 13 min
